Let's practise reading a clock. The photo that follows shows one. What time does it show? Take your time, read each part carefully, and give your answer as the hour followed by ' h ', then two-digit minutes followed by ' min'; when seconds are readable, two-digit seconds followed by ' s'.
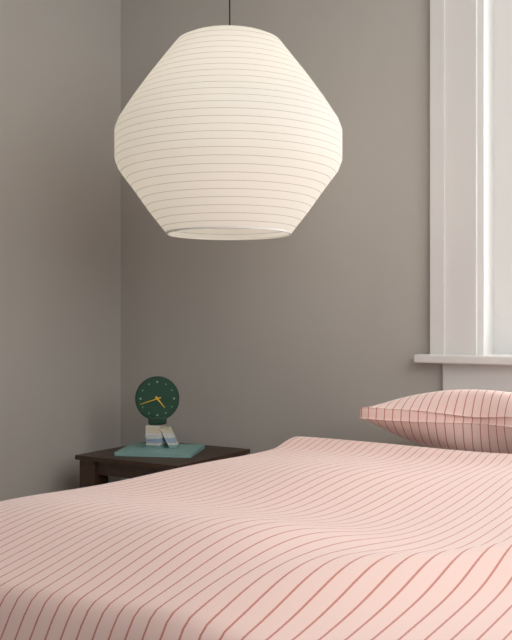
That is 4 h 42 min
